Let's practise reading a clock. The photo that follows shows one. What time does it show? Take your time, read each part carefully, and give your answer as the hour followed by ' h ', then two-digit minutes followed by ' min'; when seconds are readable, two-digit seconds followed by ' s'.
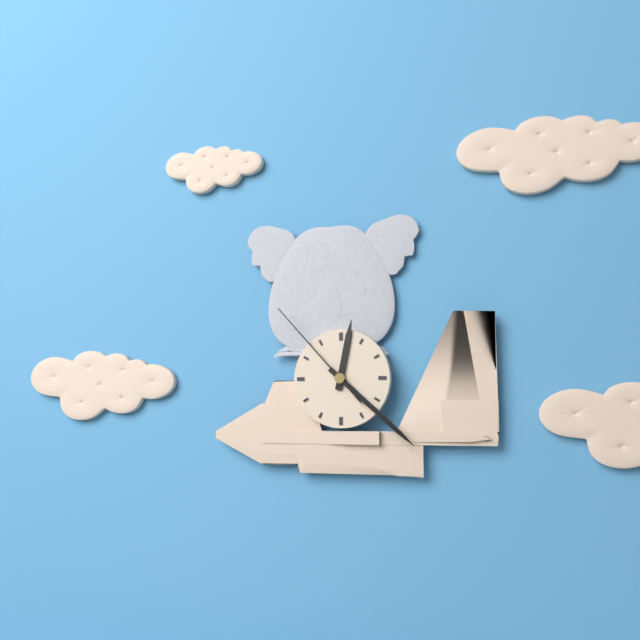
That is 12 h 22 min 53 s
